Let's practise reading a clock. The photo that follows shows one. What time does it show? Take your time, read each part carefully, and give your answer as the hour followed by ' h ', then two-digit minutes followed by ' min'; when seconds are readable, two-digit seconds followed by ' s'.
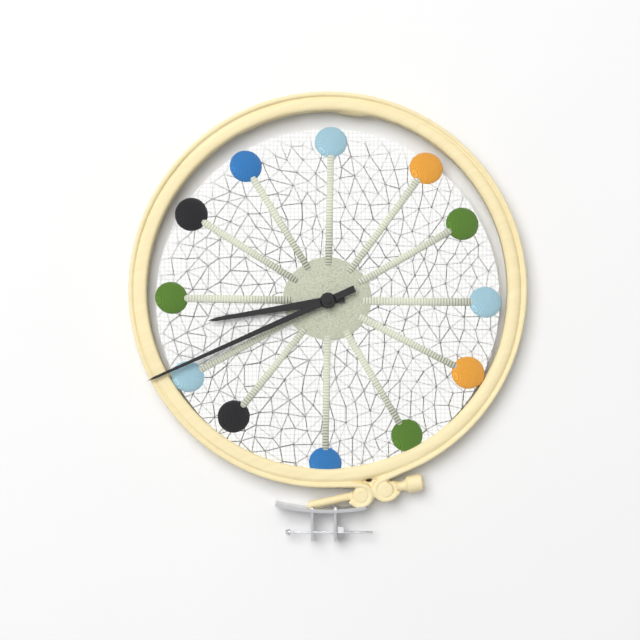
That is 8 h 41 min
